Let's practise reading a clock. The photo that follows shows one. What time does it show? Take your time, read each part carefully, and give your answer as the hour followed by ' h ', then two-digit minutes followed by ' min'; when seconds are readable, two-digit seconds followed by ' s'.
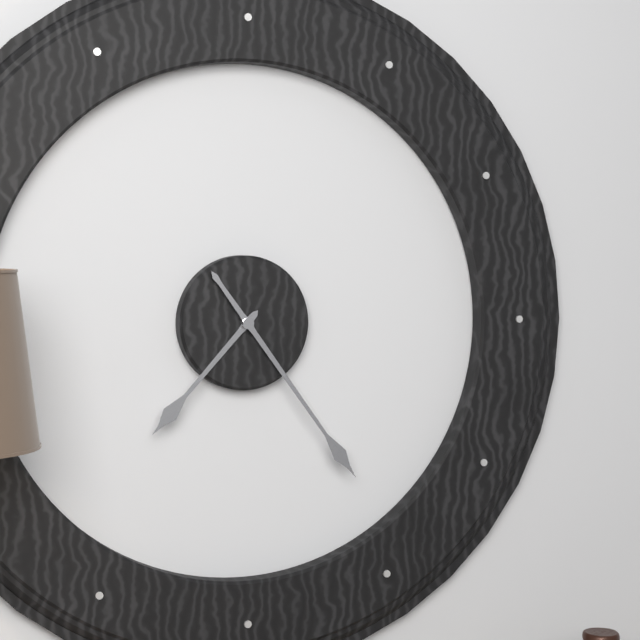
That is 7 h 24 min
